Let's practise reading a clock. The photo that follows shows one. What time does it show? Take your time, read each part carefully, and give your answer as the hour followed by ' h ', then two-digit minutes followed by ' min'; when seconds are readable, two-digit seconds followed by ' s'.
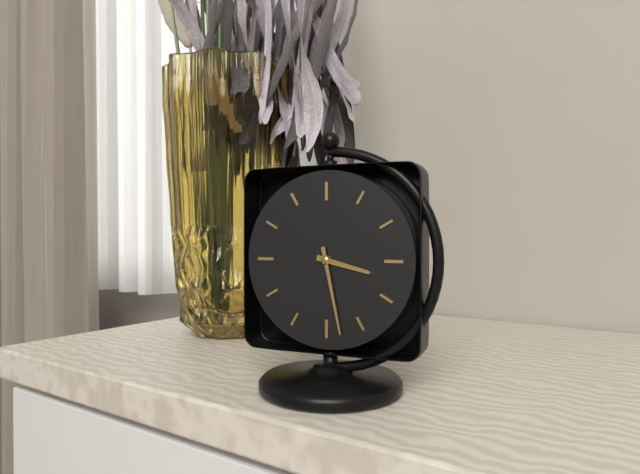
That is 3 h 28 min
